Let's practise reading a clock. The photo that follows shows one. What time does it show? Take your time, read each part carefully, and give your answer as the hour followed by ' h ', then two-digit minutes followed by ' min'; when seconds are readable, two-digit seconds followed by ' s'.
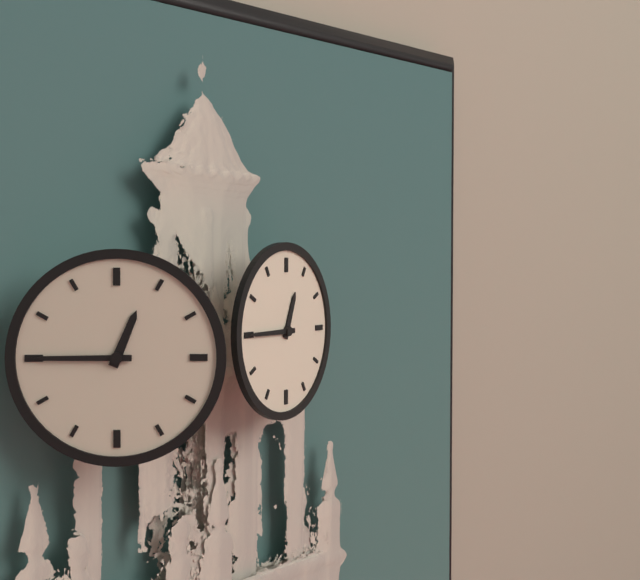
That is 12 h 45 min
